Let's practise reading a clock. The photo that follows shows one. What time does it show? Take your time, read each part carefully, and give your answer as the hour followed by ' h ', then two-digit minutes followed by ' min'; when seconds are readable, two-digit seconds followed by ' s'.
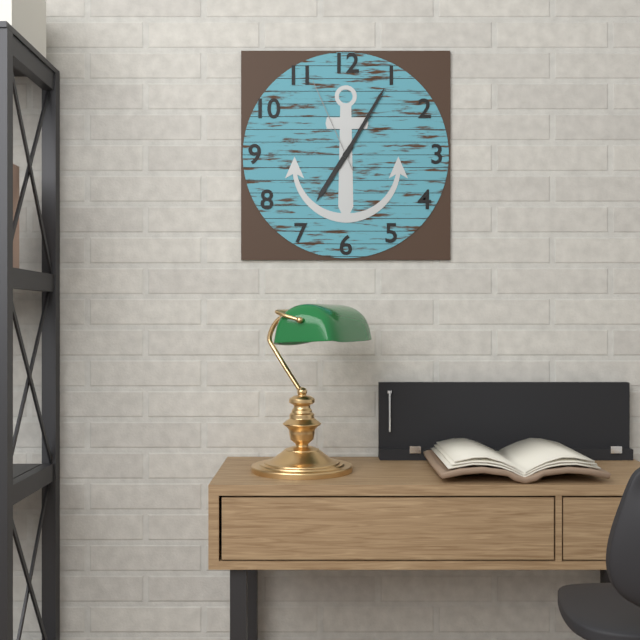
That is 7 h 05 min 56 s
